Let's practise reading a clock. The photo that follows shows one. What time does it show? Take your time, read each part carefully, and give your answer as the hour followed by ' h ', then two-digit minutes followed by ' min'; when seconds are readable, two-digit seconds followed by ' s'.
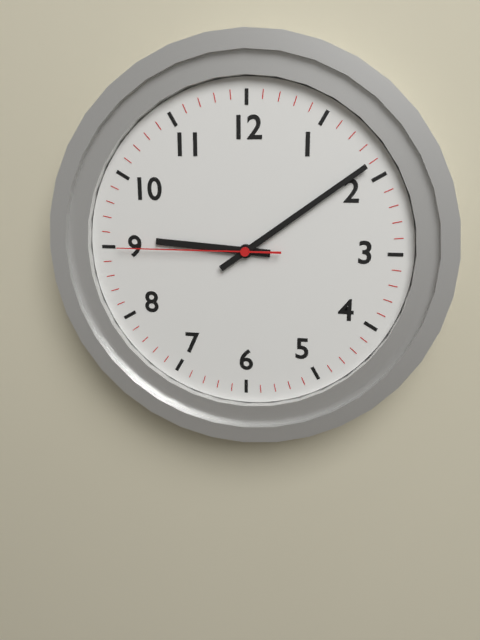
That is 9 h 09 min 45 s
